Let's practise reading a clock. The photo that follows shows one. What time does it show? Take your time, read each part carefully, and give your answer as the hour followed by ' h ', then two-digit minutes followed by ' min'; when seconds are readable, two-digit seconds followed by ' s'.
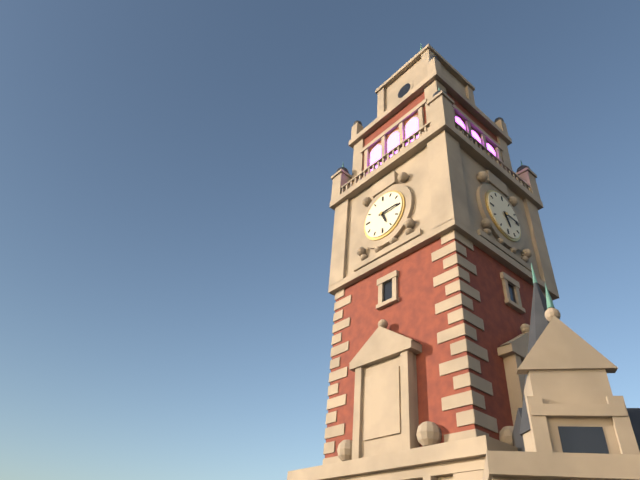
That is 5 h 15 min
